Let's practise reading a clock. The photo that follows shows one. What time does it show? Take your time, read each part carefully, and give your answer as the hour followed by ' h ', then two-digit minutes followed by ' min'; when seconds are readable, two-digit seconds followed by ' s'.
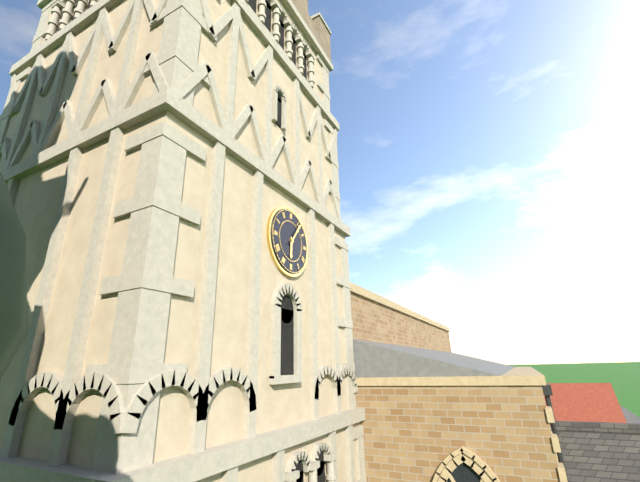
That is 6 h 06 min
